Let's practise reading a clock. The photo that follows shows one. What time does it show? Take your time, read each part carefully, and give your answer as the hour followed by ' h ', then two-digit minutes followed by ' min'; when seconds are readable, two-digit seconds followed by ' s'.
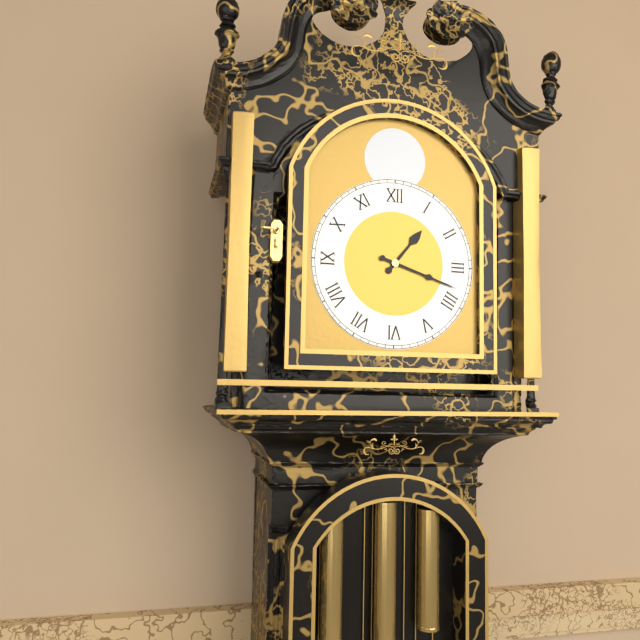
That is 1 h 18 min
